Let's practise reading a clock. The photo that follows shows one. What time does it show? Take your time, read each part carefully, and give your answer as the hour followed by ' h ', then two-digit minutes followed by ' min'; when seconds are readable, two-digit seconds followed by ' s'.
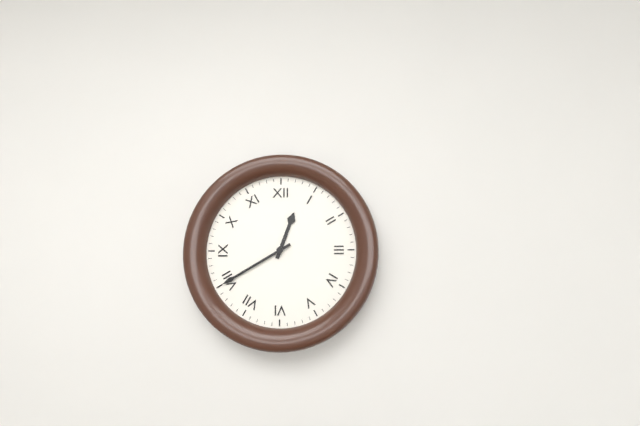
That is 12 h 40 min
